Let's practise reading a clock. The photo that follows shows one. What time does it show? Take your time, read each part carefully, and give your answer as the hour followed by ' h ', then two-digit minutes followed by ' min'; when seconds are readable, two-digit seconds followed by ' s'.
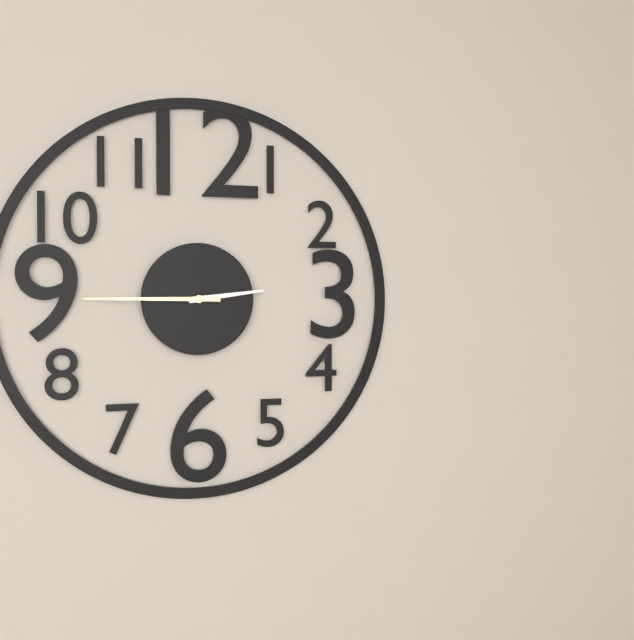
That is 2 h 45 min
